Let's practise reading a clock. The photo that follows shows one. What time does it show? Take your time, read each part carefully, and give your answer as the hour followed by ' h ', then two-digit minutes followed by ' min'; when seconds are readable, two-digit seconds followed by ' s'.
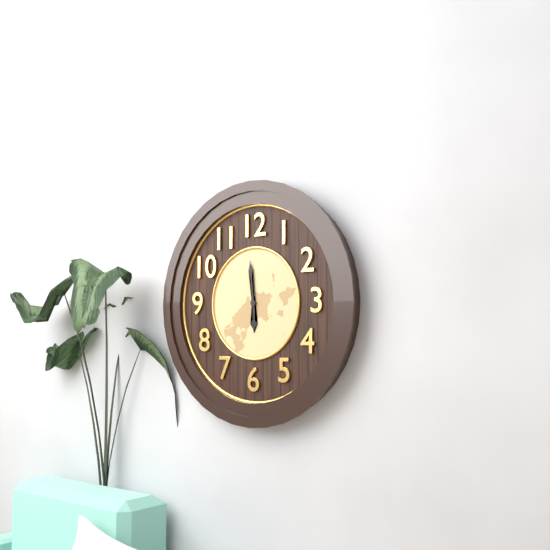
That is 5 h 59 min
